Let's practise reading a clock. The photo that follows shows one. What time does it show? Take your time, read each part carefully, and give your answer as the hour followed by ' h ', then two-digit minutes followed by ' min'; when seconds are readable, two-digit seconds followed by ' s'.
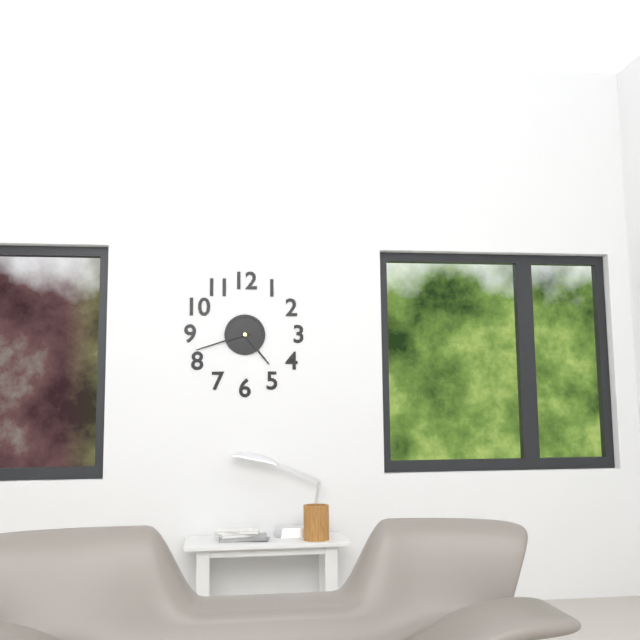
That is 4 h 42 min
